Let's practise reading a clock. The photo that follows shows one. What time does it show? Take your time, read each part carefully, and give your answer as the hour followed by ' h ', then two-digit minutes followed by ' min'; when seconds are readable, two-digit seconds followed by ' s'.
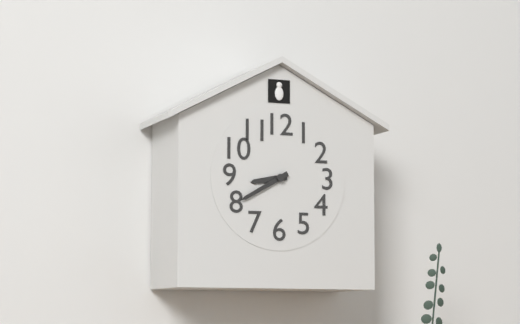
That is 8 h 40 min
